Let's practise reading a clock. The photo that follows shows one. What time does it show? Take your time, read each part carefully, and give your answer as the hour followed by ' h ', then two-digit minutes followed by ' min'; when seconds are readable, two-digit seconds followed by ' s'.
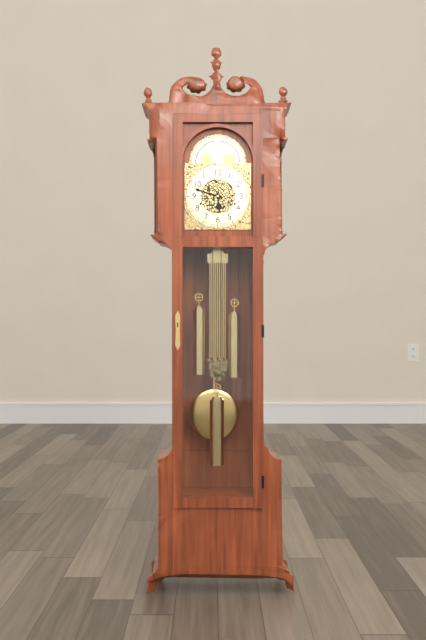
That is 5 h 48 min
